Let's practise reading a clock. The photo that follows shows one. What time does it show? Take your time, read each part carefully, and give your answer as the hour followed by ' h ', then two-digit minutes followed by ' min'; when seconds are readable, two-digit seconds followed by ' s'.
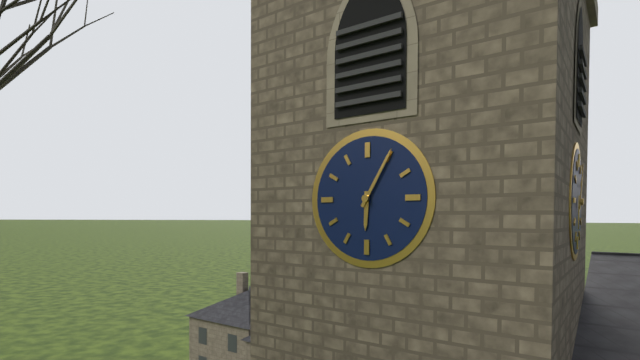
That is 6 h 05 min
